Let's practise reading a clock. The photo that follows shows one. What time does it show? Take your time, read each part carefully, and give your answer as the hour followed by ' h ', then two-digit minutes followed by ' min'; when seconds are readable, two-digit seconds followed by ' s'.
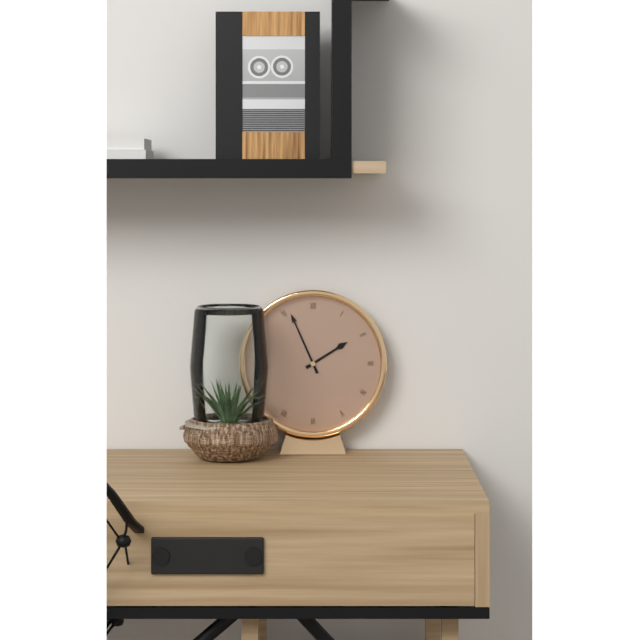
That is 1 h 56 min
